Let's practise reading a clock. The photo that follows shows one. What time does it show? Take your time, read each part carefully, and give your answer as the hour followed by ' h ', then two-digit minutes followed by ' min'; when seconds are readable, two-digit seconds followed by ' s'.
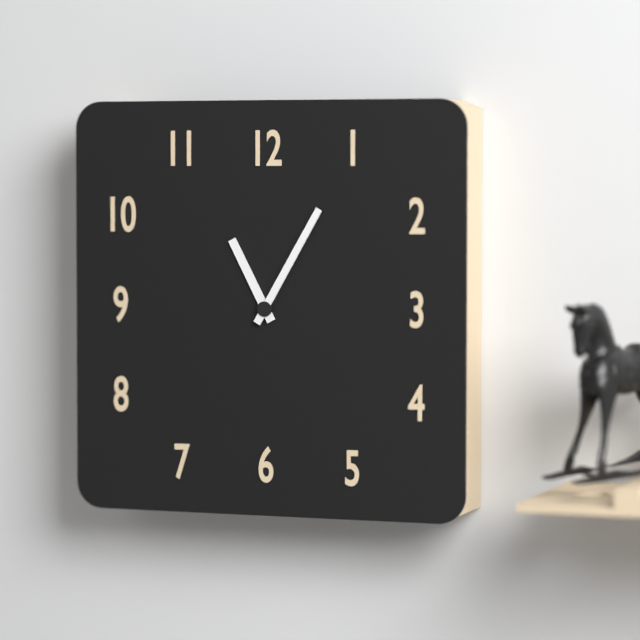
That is 11 h 05 min
